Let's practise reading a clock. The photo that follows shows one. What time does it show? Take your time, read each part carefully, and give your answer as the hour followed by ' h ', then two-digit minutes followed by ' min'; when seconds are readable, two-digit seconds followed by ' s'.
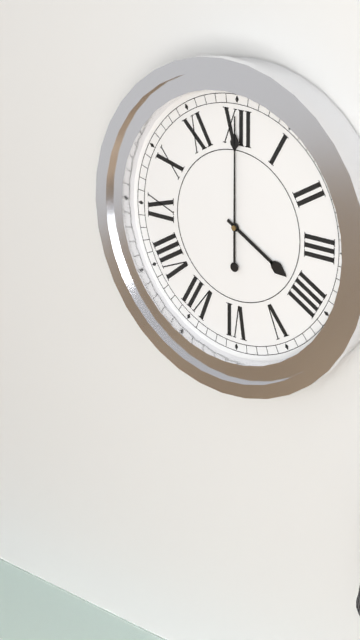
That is 4 h 00 min
